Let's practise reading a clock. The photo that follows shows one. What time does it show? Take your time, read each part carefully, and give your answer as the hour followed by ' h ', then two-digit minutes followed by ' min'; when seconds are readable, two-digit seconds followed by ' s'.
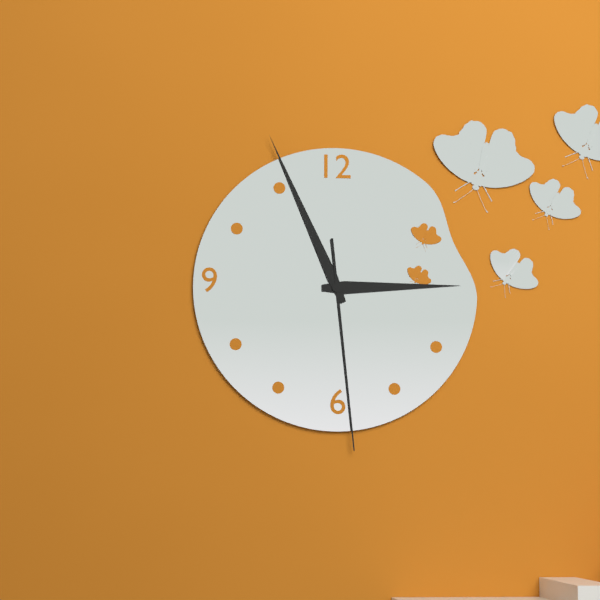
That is 2 h 56 min 29 s
